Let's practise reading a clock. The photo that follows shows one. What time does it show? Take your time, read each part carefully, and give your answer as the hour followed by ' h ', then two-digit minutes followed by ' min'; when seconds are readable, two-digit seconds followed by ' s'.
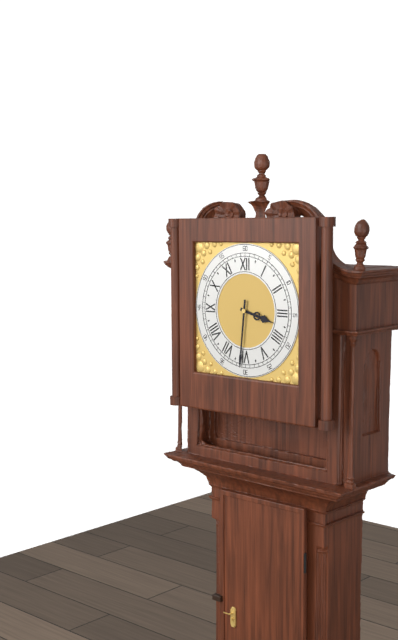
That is 3 h 31 min
